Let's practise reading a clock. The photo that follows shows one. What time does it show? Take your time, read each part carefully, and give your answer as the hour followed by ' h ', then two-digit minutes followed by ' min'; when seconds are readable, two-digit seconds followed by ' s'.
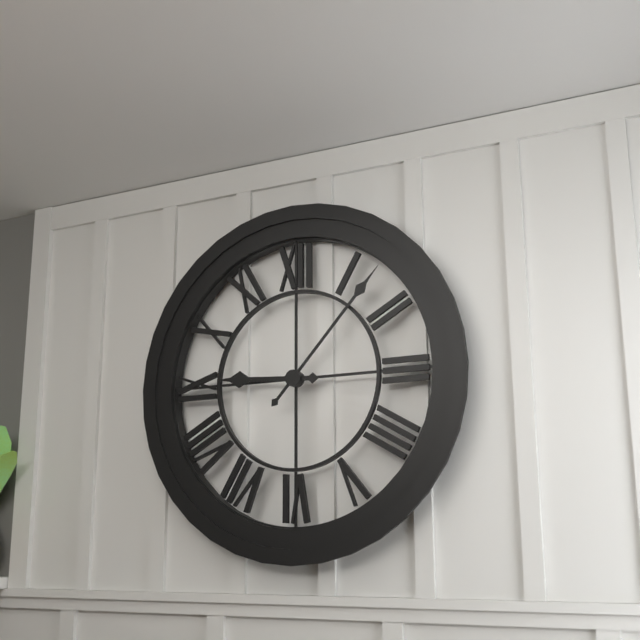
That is 9 h 07 min
